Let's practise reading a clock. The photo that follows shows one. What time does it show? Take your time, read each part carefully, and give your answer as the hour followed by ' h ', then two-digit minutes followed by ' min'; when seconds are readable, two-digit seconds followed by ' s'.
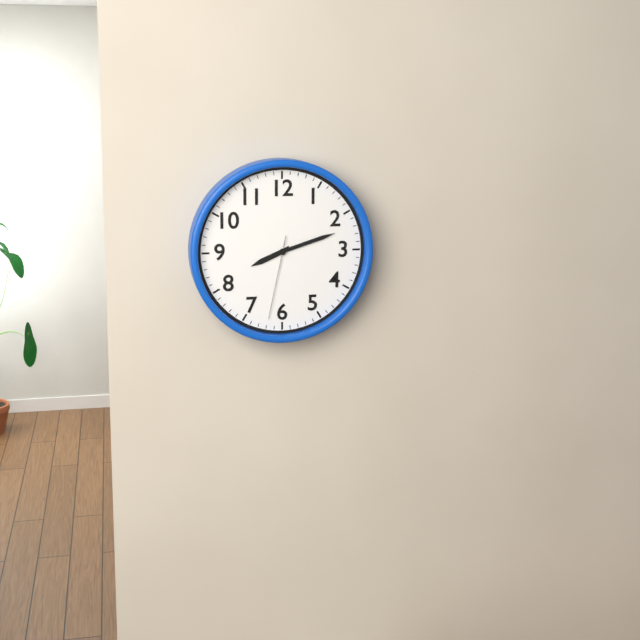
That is 8 h 12 min 32 s
